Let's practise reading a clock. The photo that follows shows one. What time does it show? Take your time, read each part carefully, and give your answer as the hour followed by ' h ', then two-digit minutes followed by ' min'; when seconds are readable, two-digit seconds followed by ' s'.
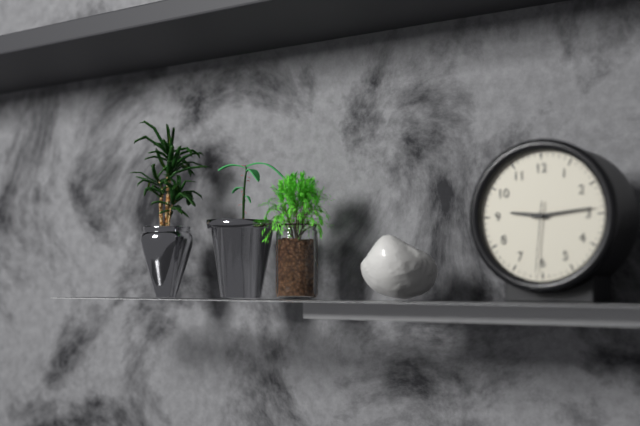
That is 9 h 14 min 31 s
